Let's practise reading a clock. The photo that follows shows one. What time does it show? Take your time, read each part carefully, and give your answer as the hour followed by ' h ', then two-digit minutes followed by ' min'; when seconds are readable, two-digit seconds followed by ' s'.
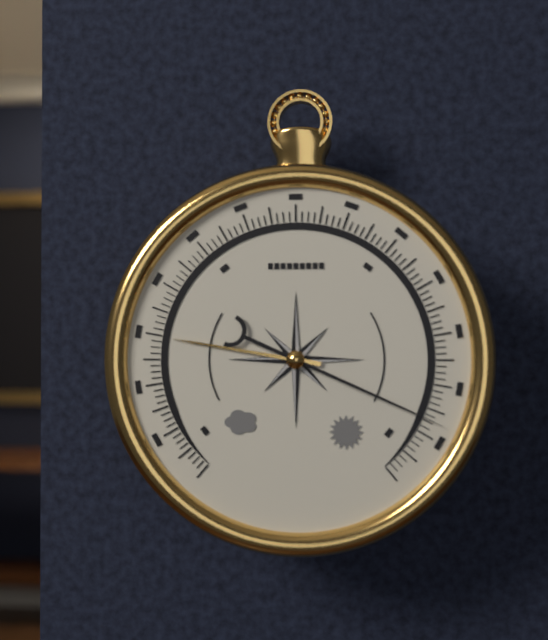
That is 9 h 19 min
